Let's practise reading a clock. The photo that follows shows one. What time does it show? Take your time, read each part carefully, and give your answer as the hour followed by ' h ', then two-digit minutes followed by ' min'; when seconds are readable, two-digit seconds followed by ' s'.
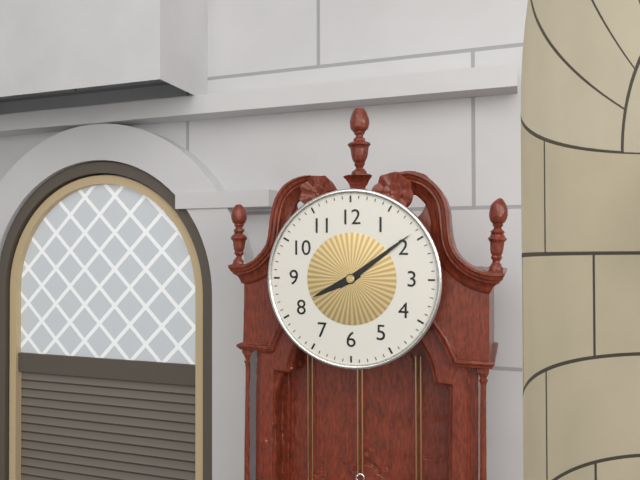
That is 8 h 09 min
